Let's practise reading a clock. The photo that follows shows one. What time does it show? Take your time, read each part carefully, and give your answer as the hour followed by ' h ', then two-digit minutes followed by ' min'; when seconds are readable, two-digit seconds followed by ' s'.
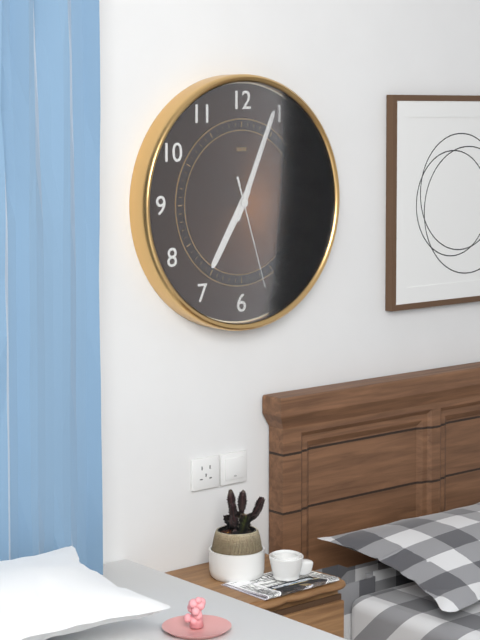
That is 7 h 04 min 27 s
